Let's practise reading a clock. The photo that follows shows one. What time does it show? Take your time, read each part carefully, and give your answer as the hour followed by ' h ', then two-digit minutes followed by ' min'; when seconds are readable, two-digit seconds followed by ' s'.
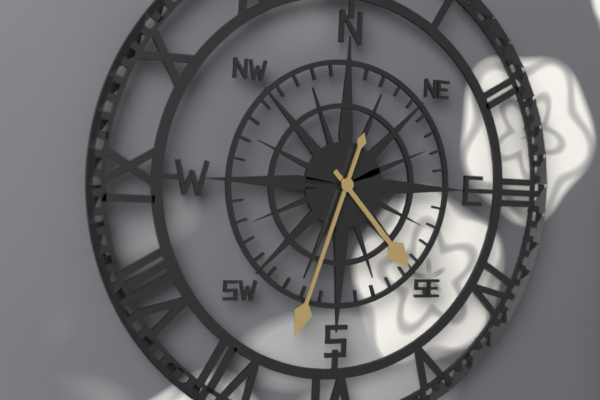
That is 4 h 33 min
